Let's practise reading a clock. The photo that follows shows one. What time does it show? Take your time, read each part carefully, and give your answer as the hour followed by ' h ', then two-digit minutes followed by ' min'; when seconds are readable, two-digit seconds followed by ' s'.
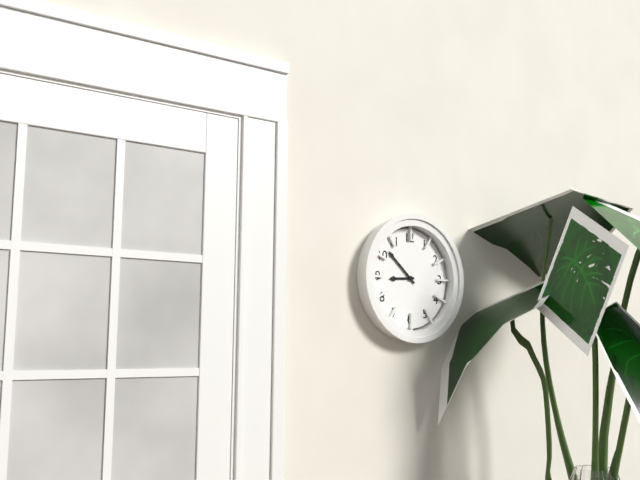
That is 8 h 52 min
